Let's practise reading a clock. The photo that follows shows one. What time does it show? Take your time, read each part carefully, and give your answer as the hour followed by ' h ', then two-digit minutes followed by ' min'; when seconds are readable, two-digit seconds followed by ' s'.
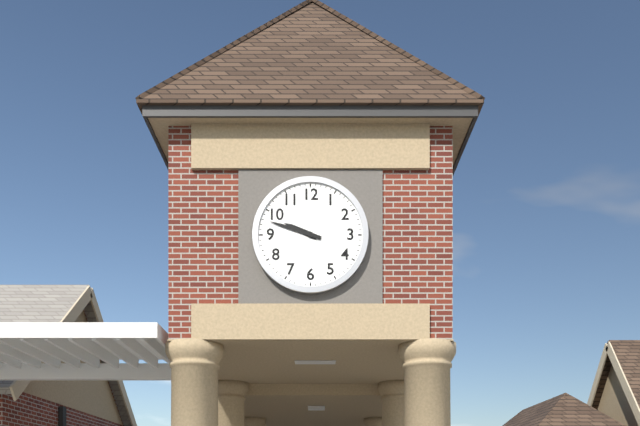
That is 9 h 48 min
